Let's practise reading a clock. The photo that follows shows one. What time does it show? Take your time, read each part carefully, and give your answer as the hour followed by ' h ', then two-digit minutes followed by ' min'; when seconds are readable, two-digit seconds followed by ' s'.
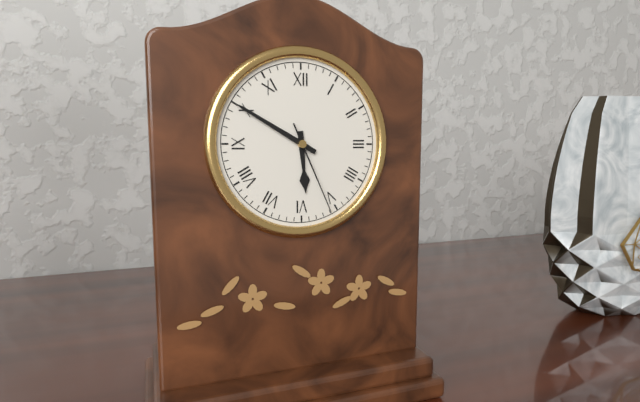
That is 5 h 50 min 26 s
